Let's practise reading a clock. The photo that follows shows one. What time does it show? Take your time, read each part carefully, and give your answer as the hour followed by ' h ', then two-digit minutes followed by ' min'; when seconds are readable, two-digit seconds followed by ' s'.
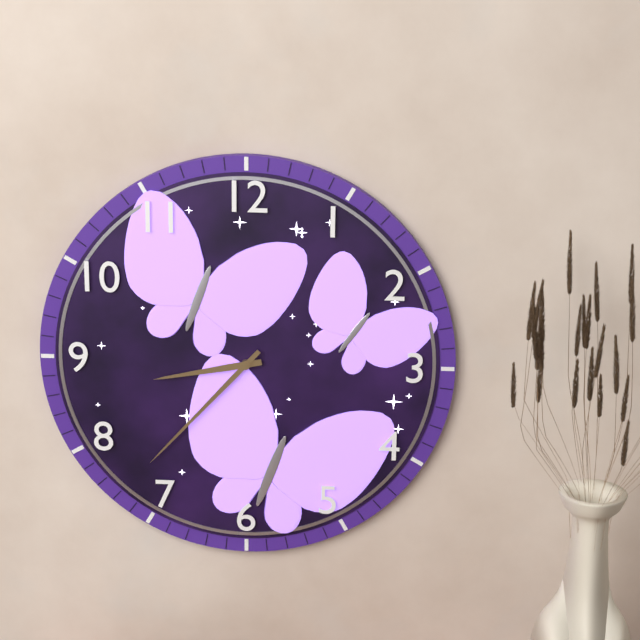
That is 8 h 37 min
